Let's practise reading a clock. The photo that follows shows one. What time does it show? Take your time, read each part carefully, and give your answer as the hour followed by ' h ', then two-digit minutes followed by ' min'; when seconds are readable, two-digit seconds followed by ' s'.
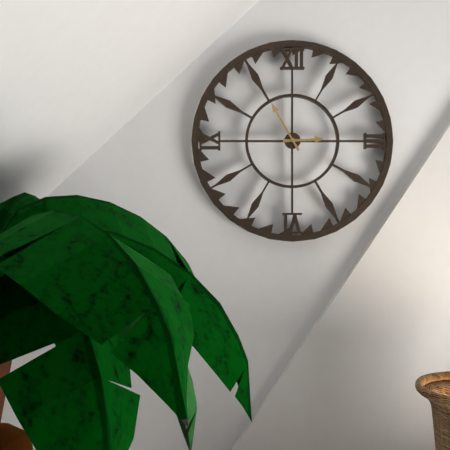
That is 2 h 55 min
